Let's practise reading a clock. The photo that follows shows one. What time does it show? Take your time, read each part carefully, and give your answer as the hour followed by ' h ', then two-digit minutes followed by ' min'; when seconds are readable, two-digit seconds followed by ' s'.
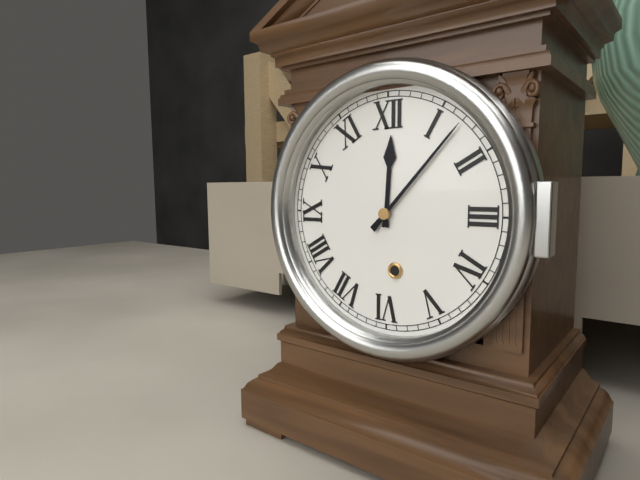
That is 12 h 07 min
